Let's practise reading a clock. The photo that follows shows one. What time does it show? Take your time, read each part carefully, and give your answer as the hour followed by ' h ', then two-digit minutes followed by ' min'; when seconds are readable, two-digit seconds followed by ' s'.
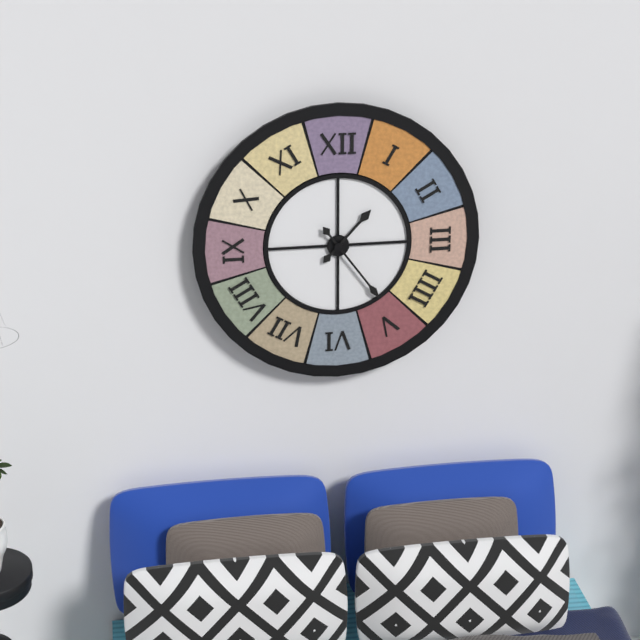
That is 1 h 24 min
